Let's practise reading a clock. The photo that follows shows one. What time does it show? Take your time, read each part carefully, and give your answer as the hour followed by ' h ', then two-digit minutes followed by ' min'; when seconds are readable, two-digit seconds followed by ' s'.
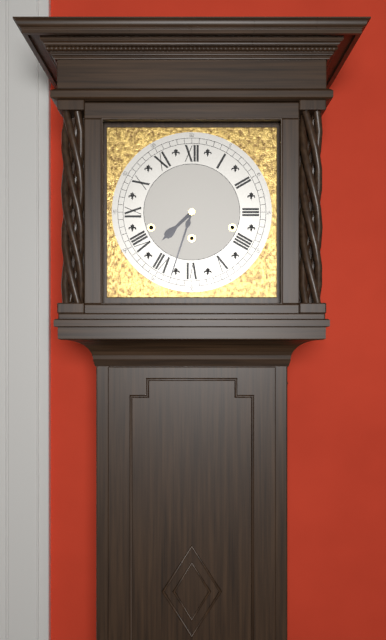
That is 7 h 33 min
